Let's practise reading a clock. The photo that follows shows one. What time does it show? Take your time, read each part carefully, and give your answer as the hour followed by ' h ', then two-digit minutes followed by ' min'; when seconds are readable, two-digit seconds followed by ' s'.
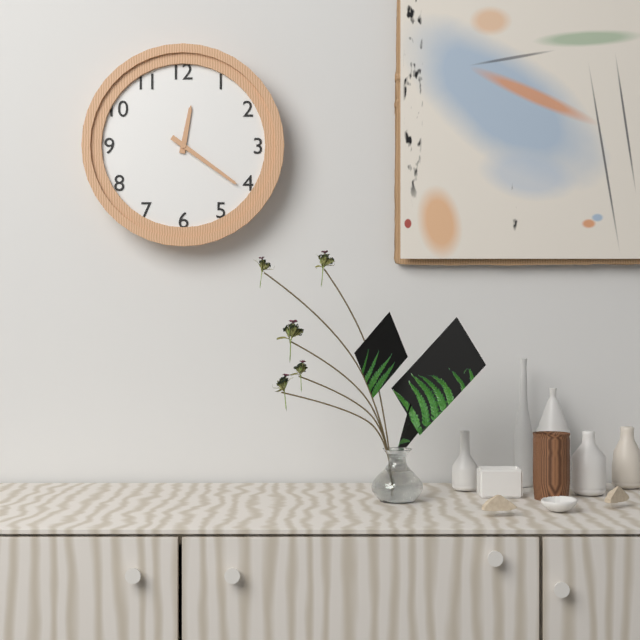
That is 12 h 21 min
